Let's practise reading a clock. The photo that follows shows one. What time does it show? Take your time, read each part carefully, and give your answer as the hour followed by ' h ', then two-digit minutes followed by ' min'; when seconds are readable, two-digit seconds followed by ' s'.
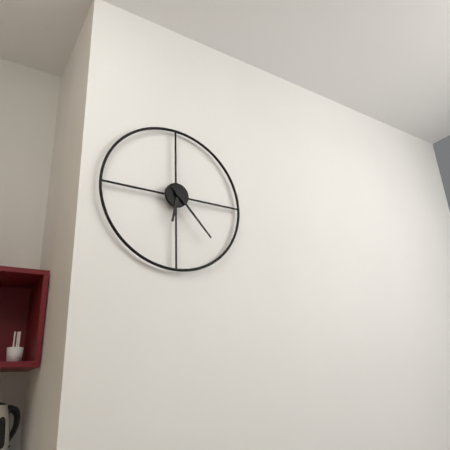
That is 6 h 23 min
